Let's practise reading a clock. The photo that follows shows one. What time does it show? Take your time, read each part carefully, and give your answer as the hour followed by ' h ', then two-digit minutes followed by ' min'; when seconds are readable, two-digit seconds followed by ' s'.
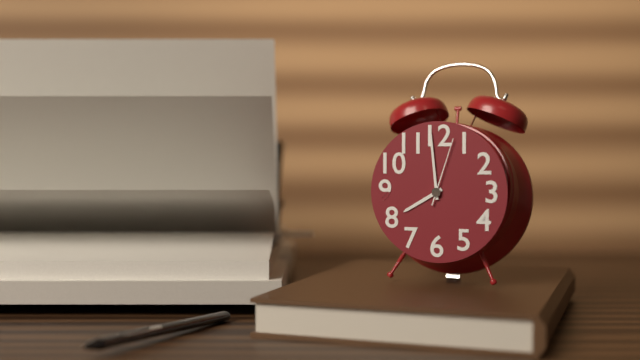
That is 7 h 59 min 03 s
